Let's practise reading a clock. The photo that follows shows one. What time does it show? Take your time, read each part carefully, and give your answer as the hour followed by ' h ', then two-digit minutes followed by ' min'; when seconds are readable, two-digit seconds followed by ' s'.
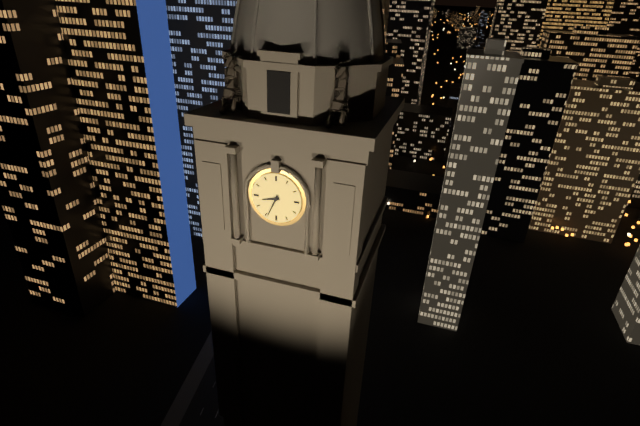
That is 8 h 34 min
